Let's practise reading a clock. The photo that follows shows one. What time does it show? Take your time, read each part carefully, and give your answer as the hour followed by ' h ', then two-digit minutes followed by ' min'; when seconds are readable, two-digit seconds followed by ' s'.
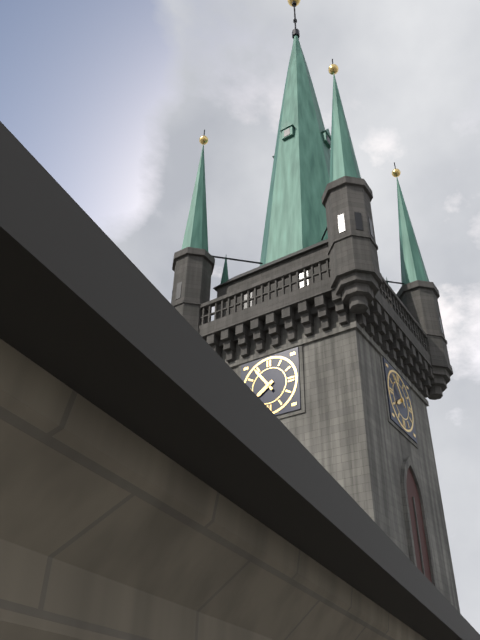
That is 7 h 54 min
